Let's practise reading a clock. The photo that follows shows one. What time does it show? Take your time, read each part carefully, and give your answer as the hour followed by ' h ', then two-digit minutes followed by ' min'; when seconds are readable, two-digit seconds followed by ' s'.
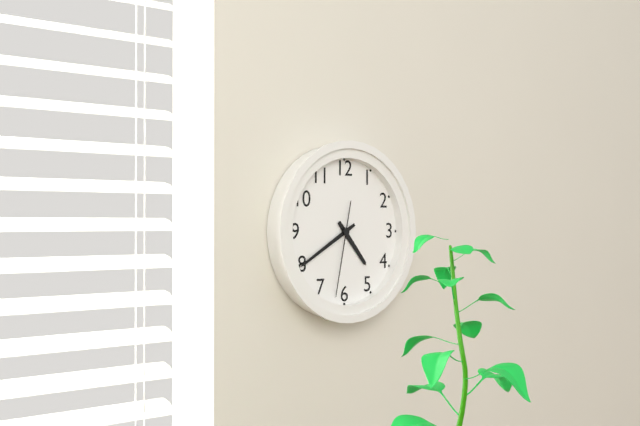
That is 4 h 40 min 32 s
